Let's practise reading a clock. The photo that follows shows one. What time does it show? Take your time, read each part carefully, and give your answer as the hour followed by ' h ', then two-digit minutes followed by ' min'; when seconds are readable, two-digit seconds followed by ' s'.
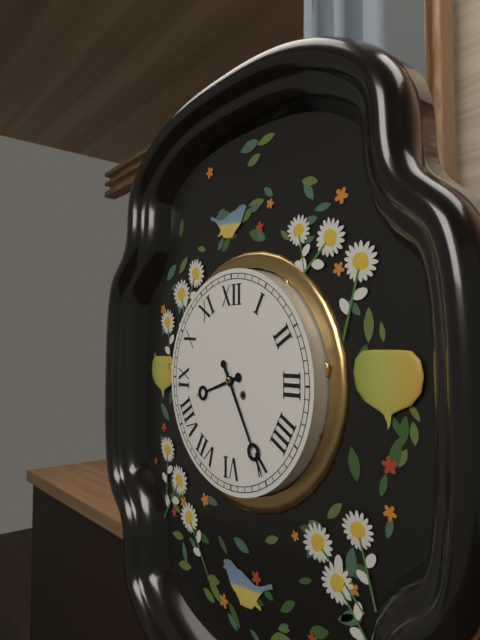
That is 8 h 25 min
